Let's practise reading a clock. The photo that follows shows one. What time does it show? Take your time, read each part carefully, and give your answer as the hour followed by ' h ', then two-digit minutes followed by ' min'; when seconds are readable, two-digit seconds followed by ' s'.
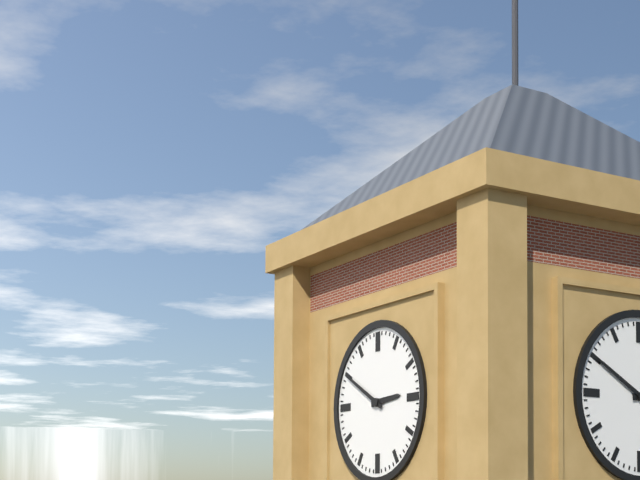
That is 2 h 50 min
